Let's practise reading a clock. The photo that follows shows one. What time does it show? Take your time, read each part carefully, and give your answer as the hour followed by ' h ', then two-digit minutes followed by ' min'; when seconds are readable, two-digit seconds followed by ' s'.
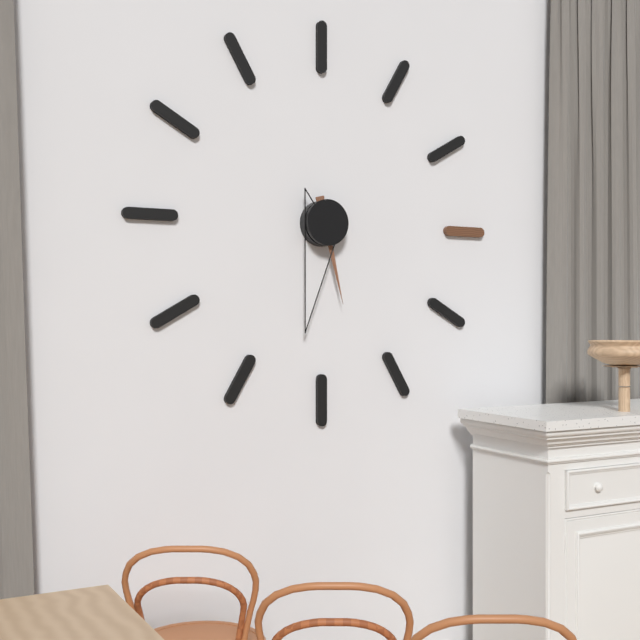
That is 5 h 32 min
